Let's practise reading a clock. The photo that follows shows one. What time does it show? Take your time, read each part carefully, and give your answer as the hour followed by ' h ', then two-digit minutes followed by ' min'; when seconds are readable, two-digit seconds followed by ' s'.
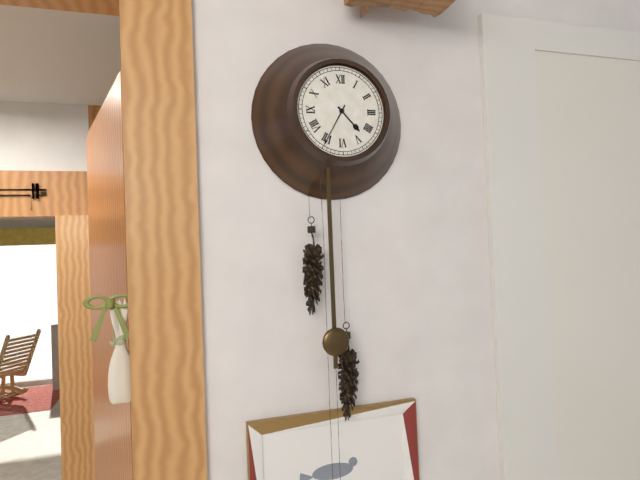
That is 4 h 35 min
